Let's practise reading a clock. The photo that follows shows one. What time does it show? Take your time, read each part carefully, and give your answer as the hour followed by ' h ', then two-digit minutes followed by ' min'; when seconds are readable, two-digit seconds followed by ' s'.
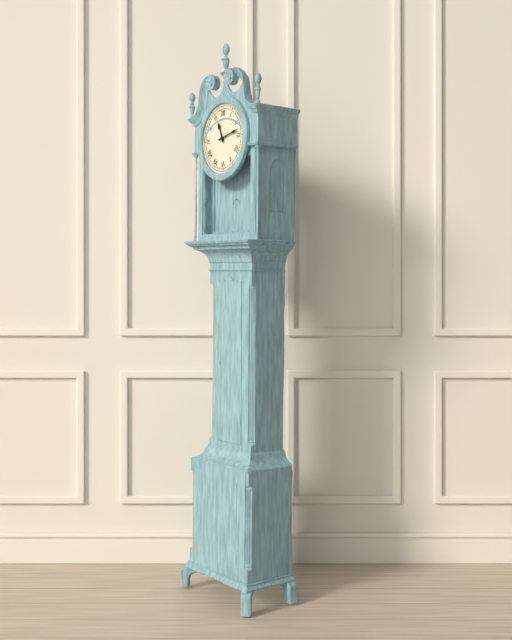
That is 11 h 13 min
